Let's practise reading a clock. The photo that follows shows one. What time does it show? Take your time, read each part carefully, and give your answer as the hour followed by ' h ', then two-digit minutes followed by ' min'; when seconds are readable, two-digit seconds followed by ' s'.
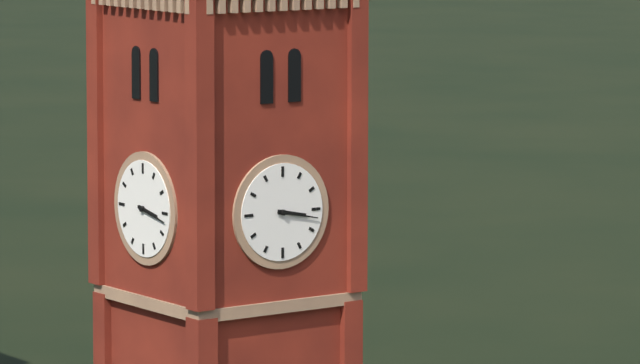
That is 3 h 17 min
